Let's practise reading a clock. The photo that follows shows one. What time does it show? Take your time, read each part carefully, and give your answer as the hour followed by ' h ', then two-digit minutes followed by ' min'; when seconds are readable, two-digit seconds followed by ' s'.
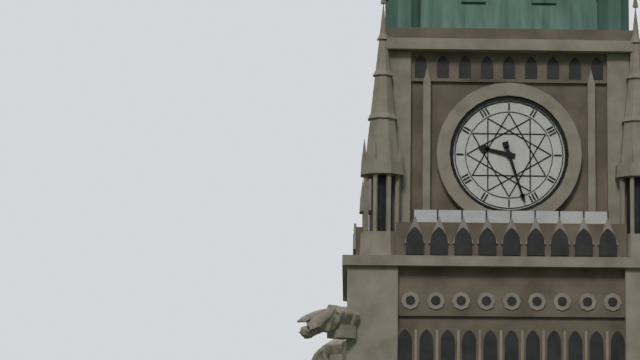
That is 9 h 27 min
